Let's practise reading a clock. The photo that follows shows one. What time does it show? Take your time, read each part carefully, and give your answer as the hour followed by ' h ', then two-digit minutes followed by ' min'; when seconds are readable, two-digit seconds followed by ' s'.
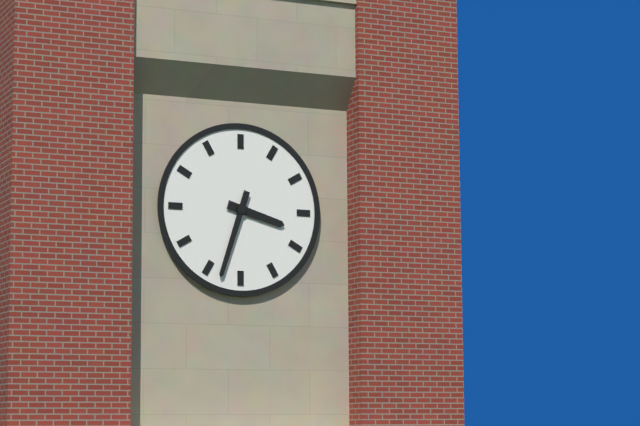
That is 3 h 33 min
